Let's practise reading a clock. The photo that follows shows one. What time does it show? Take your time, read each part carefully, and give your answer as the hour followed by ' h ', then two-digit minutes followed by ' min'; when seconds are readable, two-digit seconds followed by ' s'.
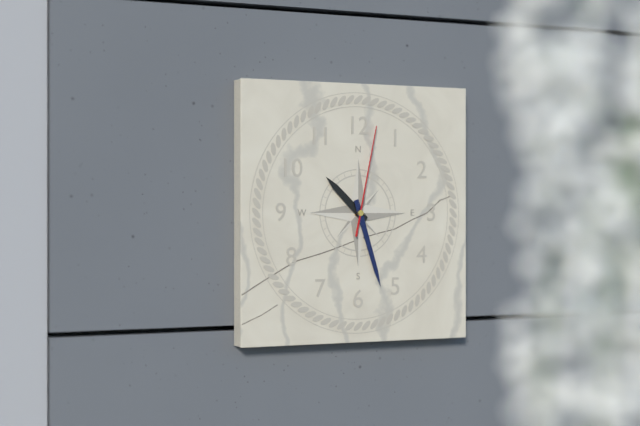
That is 10 h 27 min 02 s
